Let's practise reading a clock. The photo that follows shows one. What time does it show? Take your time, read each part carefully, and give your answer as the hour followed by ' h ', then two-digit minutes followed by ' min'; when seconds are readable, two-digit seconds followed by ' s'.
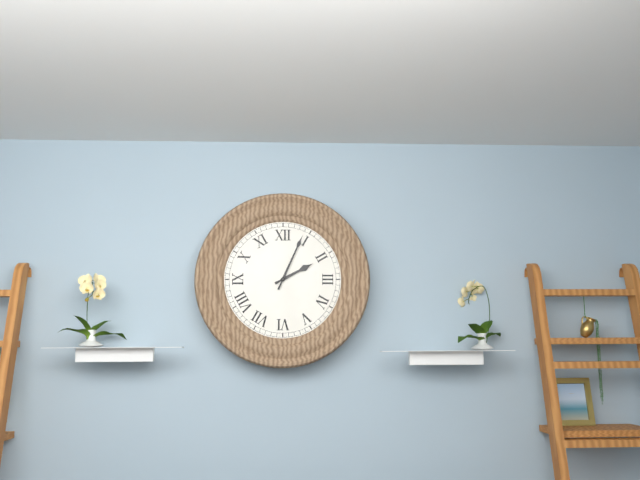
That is 2 h 04 min
